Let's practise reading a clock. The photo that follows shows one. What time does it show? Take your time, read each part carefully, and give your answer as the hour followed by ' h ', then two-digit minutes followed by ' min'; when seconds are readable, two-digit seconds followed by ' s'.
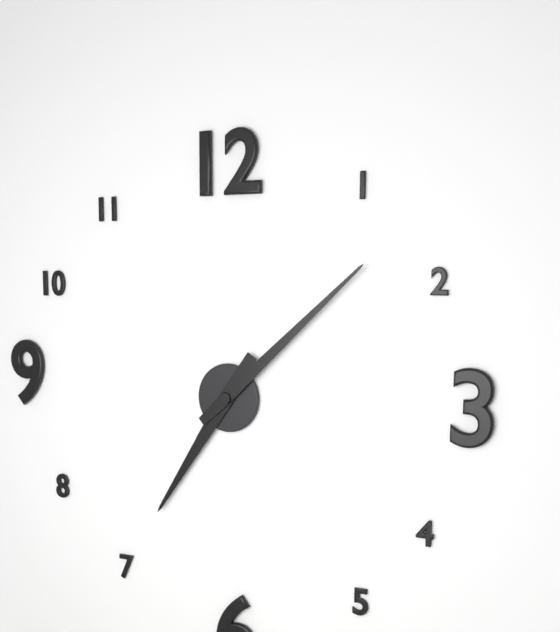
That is 7 h 08 min
